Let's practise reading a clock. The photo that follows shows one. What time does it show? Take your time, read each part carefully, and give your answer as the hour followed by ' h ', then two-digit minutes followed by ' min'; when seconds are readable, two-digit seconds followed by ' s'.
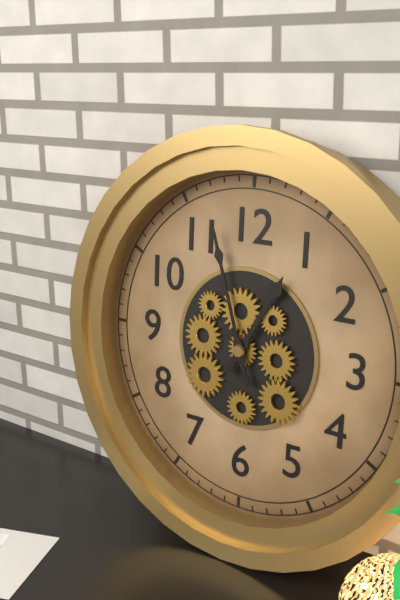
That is 12 h 57 min
